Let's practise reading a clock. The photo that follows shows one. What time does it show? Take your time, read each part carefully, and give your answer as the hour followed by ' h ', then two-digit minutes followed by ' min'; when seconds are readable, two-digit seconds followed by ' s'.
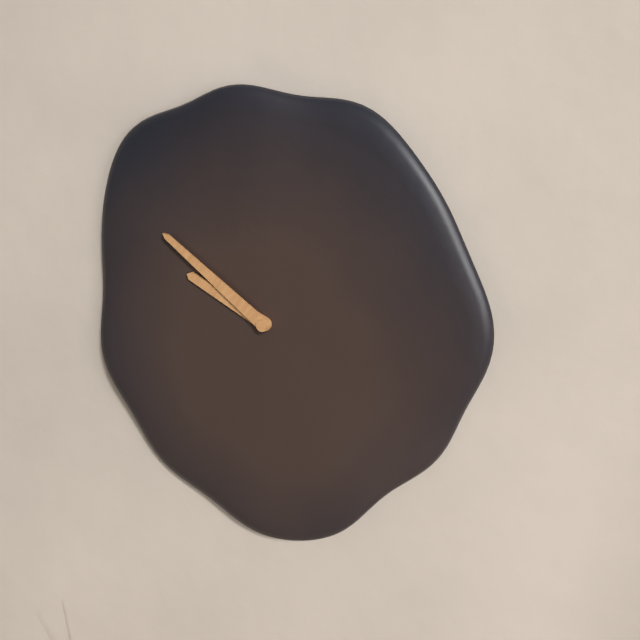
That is 9 h 51 min
